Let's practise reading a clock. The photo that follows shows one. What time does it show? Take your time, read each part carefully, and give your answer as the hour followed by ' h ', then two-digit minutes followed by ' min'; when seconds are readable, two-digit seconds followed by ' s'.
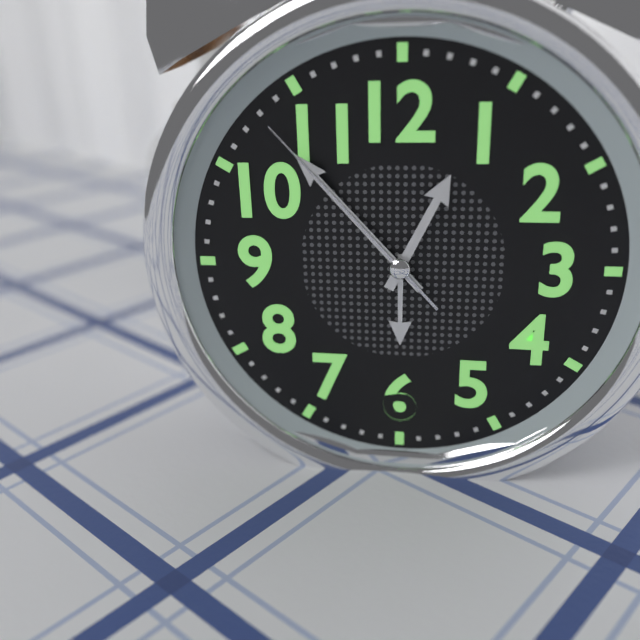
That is 12 h 53 min 53 s
